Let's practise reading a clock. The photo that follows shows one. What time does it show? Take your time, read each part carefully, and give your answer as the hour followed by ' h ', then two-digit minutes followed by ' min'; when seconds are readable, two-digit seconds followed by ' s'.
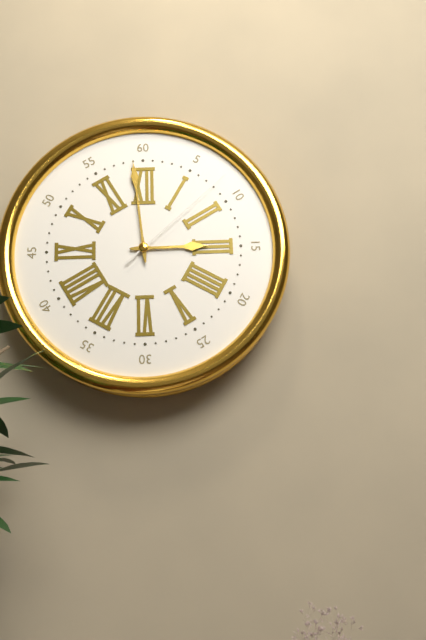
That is 2 h 59 min 08 s
